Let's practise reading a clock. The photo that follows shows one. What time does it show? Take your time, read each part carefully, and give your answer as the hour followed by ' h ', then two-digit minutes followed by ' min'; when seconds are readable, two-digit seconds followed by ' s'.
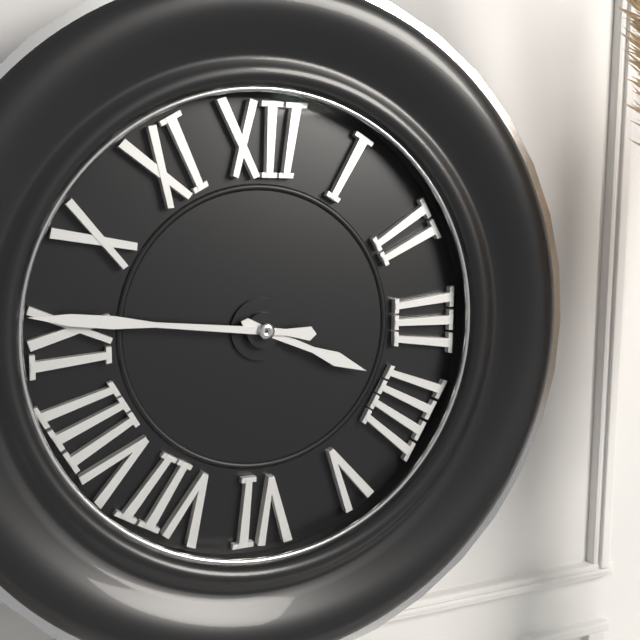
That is 3 h 46 min
